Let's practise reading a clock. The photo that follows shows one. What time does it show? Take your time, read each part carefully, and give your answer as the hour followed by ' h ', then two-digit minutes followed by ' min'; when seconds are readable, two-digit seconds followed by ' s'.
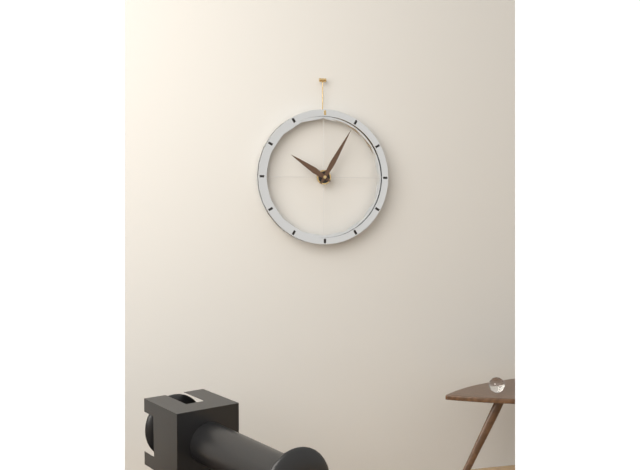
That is 10 h 05 min
